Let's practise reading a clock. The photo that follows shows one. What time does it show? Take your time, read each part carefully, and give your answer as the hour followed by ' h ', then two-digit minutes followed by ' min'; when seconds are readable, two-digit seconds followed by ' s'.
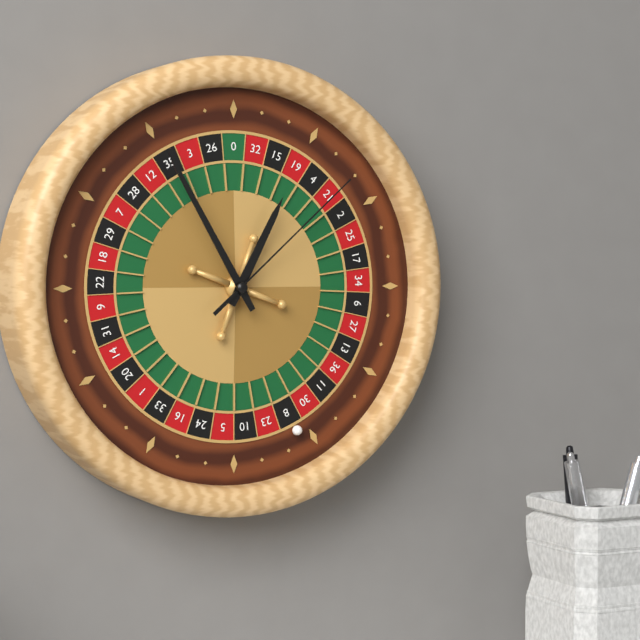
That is 12 h 55 min 08 s
